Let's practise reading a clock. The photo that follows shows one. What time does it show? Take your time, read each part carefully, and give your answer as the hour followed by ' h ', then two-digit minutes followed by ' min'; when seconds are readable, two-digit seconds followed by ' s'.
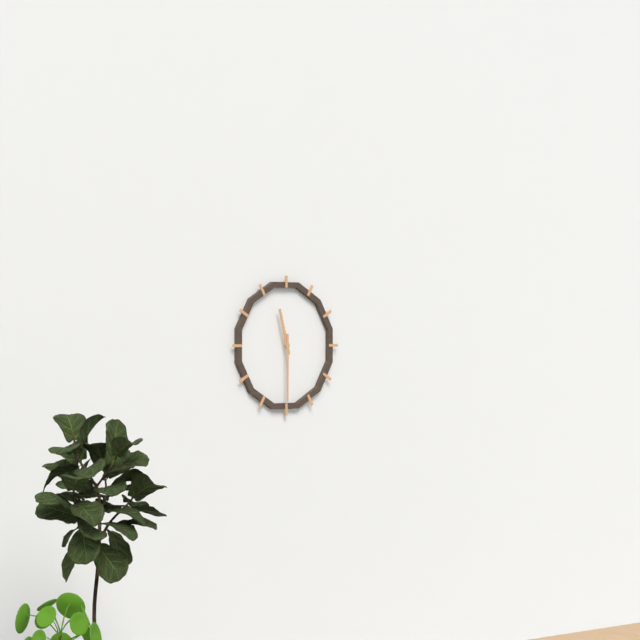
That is 11 h 30 min
